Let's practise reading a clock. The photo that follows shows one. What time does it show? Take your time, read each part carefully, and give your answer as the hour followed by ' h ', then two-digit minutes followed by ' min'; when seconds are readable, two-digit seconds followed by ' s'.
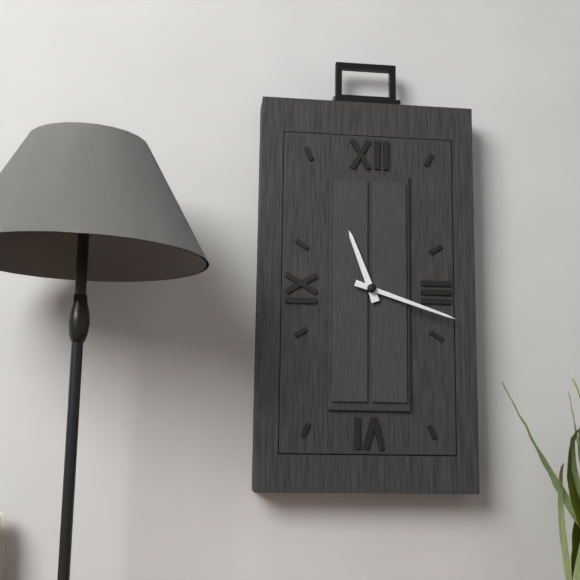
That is 11 h 18 min
